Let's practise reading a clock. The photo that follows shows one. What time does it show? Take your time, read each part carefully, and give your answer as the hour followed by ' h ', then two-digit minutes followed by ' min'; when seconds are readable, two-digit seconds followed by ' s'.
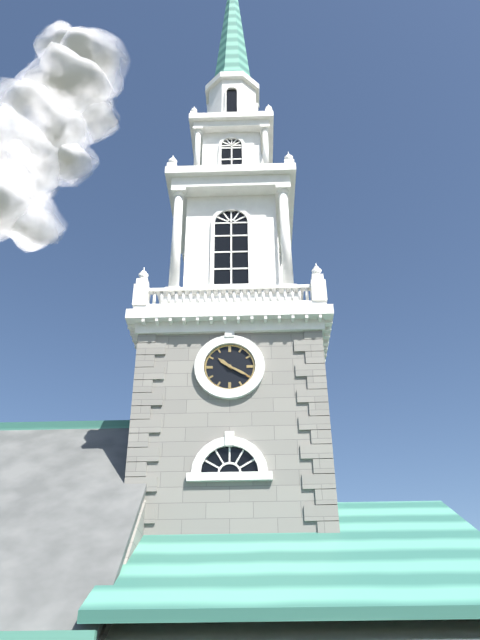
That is 10 h 20 min
